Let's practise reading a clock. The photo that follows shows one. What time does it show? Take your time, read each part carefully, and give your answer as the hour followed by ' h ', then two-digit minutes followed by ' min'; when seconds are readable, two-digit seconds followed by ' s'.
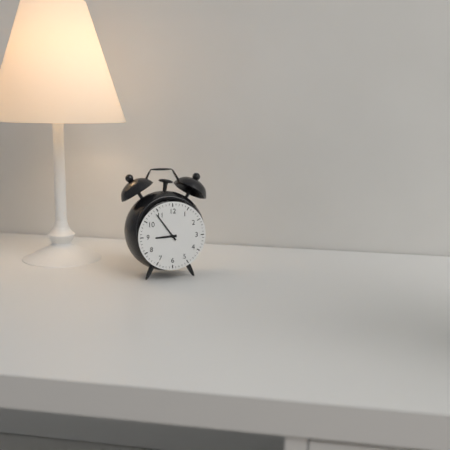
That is 8 h 54 min
